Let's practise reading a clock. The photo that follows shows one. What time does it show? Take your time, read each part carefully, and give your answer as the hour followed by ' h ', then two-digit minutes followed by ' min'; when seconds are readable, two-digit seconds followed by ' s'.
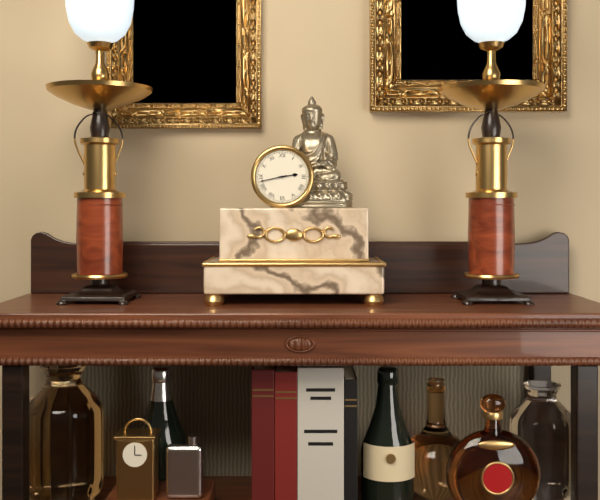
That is 2 h 43 min
